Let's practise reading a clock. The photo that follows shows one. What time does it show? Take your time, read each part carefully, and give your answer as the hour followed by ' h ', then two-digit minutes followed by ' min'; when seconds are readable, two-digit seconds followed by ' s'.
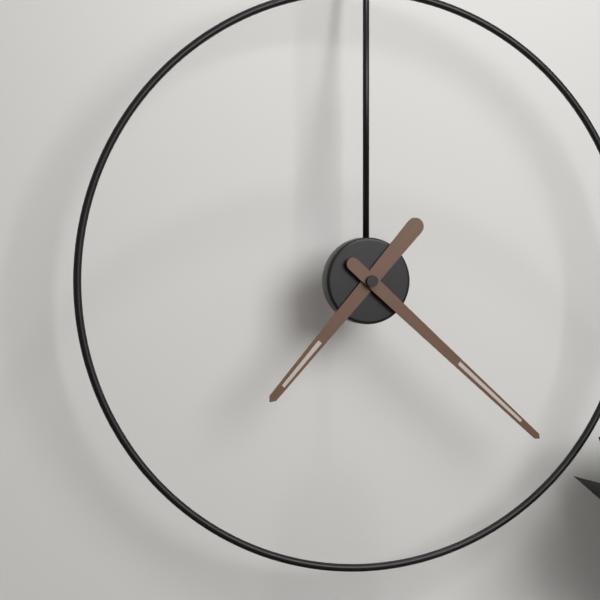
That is 7 h 22 min
